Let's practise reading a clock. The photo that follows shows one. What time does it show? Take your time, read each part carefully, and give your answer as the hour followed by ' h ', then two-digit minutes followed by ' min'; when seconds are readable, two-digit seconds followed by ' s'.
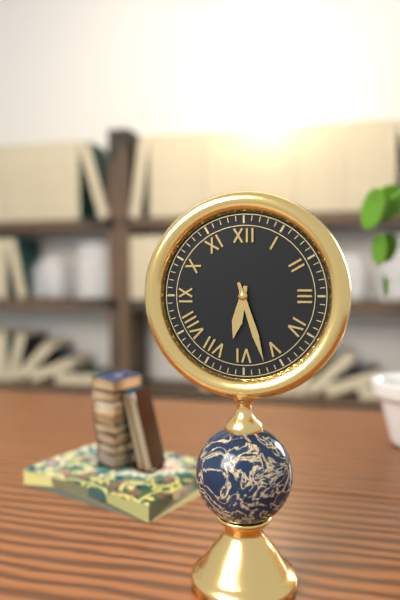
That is 6 h 27 min
